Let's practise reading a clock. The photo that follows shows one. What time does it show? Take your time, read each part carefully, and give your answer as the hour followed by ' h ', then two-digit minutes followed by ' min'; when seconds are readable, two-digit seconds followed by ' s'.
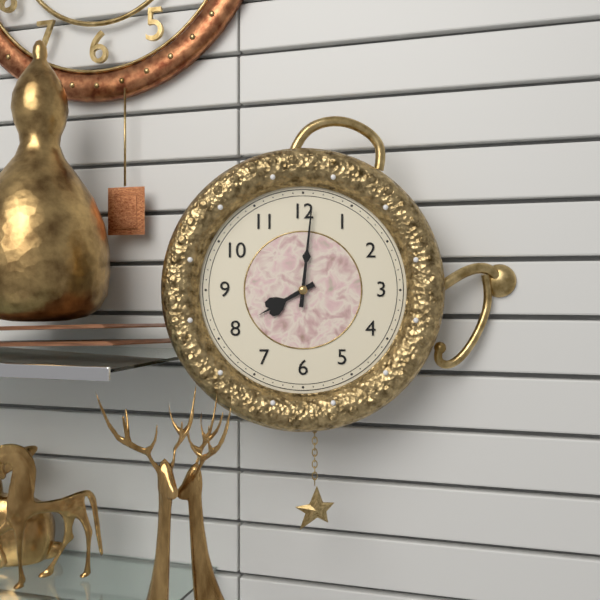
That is 8 h 01 min
